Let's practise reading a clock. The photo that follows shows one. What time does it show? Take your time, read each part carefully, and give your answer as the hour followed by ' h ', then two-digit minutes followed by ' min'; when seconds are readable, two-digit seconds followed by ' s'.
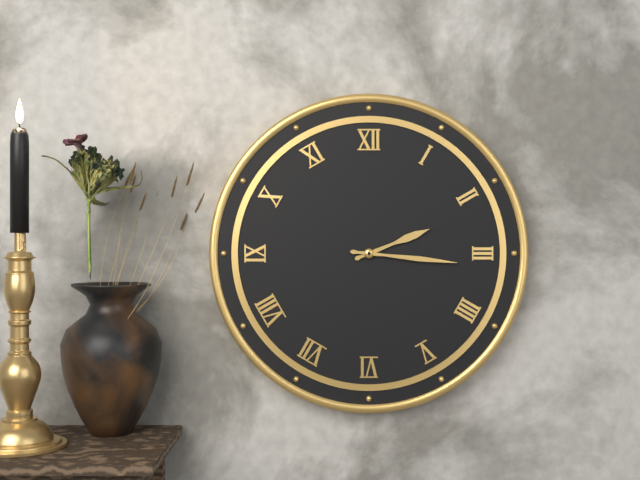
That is 2 h 16 min
